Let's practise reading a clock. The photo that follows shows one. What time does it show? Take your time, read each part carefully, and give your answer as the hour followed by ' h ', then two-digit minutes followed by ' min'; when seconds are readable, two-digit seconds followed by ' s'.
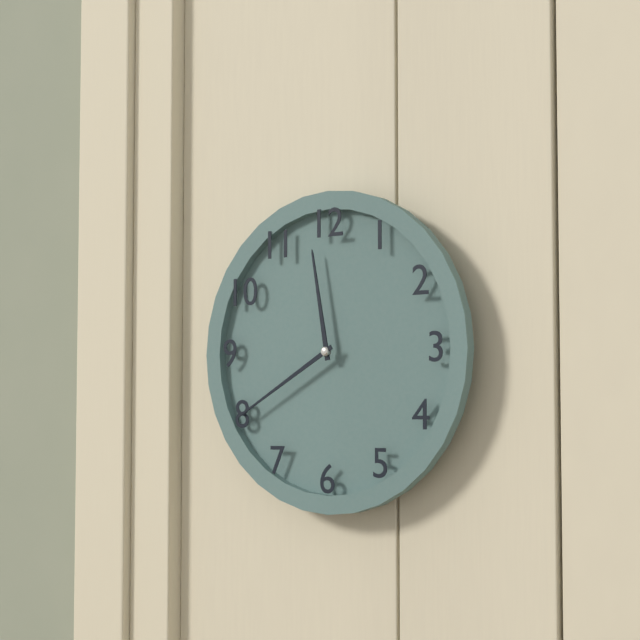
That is 11 h 40 min
